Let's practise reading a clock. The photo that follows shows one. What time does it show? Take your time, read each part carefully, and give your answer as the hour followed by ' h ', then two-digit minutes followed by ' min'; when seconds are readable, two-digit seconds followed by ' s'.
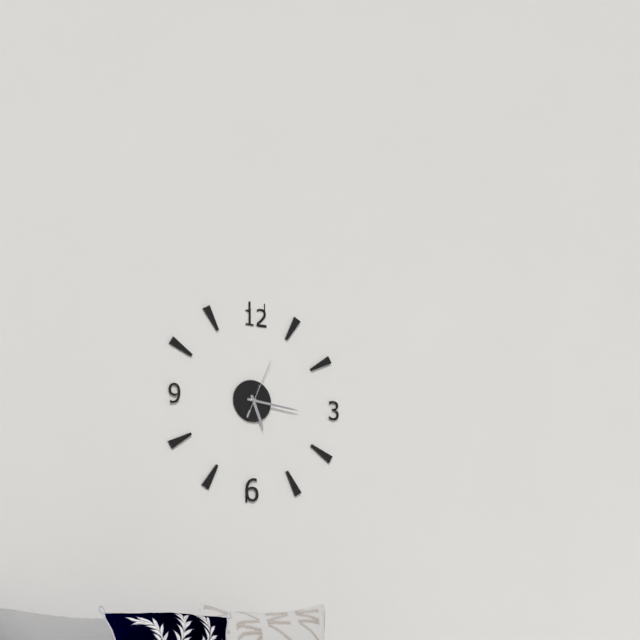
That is 5 h 16 min 04 s
